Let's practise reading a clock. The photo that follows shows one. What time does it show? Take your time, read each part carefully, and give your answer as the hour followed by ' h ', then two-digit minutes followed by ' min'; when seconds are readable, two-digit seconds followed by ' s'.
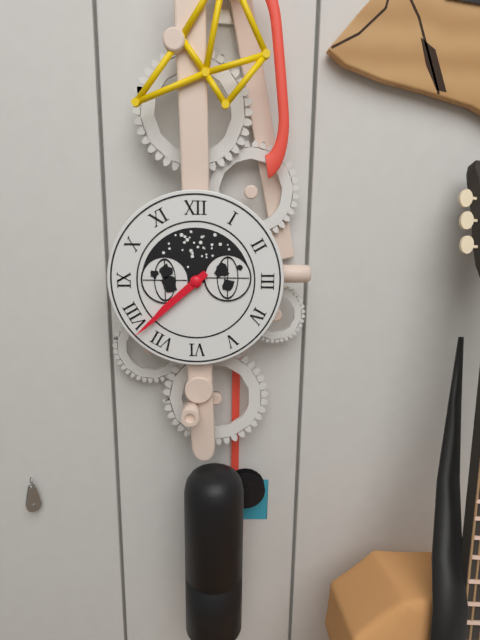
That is 7 h 38 min
